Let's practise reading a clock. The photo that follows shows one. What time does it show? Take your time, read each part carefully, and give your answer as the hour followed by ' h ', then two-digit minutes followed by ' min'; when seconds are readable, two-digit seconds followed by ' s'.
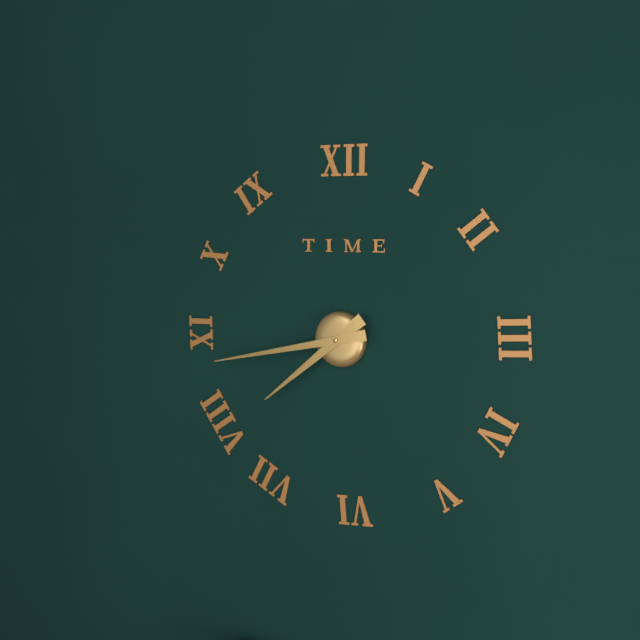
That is 7 h 43 min
